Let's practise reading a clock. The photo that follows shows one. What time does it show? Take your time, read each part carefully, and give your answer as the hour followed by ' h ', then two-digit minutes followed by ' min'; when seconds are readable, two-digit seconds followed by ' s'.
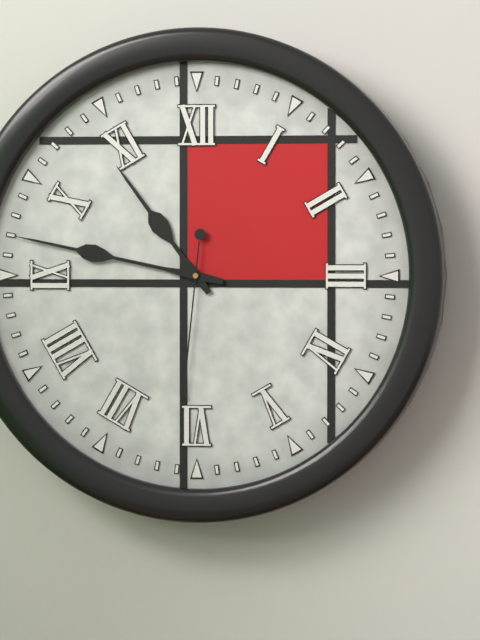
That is 10 h 47 min 31 s
